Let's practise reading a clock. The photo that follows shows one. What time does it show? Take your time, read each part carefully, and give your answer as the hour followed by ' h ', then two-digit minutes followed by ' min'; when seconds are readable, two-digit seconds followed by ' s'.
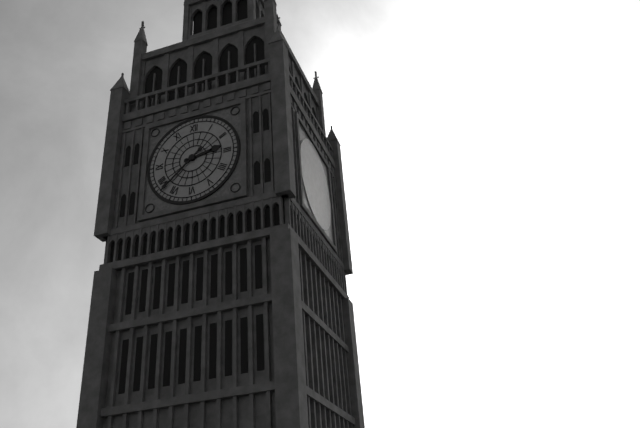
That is 2 h 38 min
